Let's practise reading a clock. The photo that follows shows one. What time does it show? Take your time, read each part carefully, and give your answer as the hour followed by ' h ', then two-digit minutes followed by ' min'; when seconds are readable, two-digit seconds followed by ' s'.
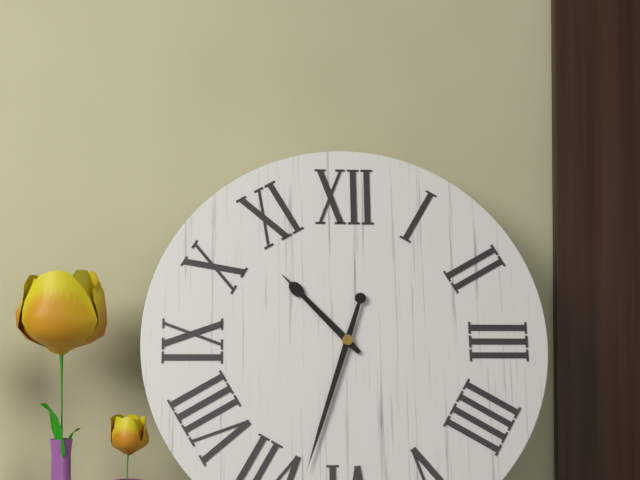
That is 10 h 33 min
